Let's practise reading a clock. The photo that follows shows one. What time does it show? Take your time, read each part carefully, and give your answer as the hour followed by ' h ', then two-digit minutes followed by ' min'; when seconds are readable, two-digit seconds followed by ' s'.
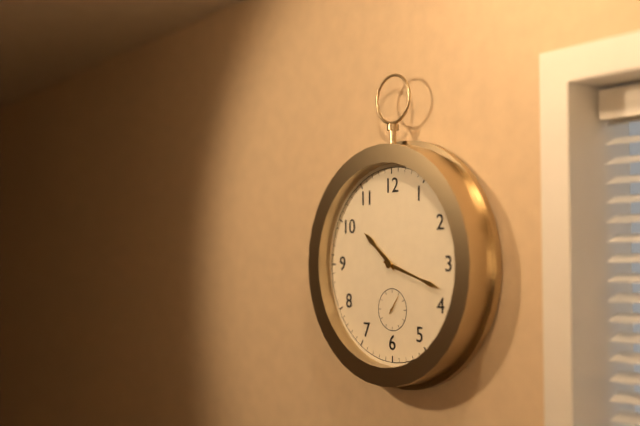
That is 10 h 18 min
